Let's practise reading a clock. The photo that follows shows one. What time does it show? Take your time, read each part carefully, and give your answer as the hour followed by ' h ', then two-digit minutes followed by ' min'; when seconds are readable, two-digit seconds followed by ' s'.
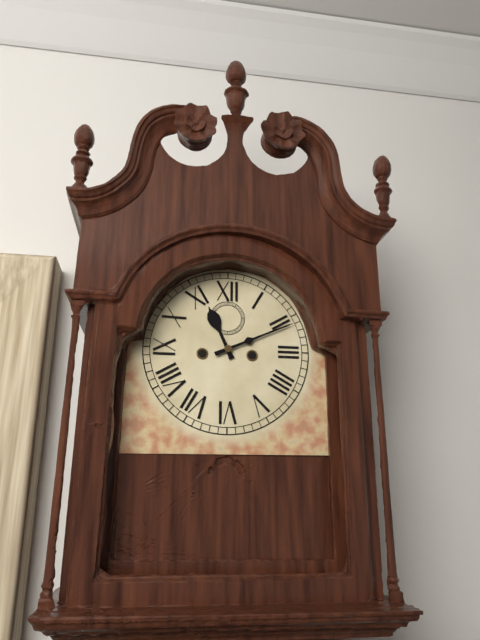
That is 11 h 11 min
